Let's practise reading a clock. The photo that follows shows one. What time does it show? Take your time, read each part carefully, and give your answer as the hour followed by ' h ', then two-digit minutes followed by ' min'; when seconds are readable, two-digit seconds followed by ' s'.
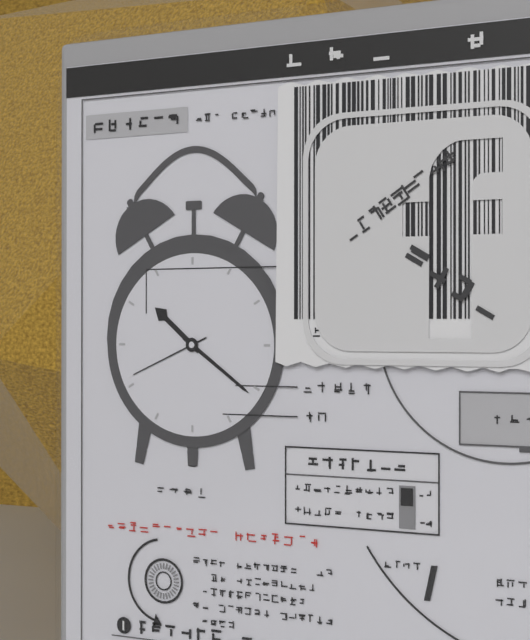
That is 10 h 21 min 41 s
